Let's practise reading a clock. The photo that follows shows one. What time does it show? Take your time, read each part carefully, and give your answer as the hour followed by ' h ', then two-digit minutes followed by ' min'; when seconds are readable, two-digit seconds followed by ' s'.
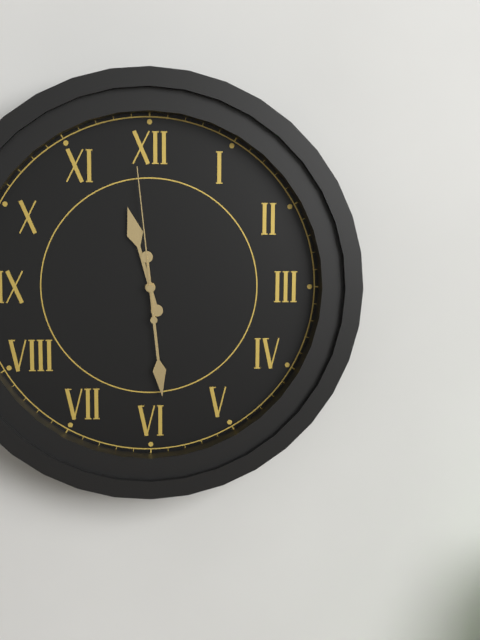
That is 11 h 29 min 59 s
